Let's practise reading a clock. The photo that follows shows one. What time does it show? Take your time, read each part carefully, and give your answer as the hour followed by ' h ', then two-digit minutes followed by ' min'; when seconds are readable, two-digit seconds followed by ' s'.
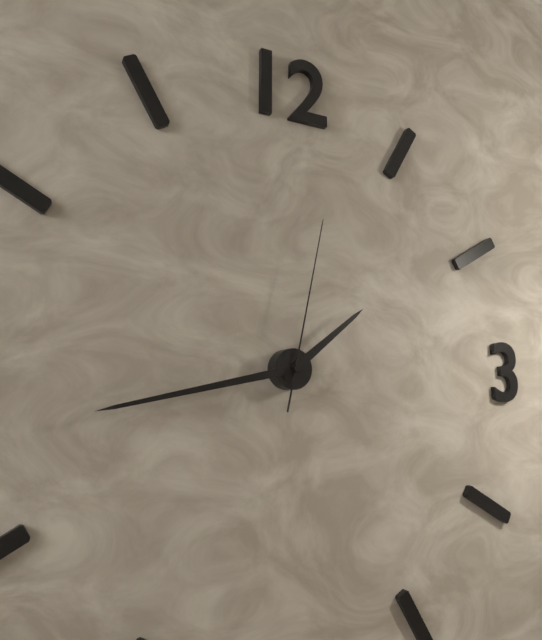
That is 1 h 43 min 02 s
